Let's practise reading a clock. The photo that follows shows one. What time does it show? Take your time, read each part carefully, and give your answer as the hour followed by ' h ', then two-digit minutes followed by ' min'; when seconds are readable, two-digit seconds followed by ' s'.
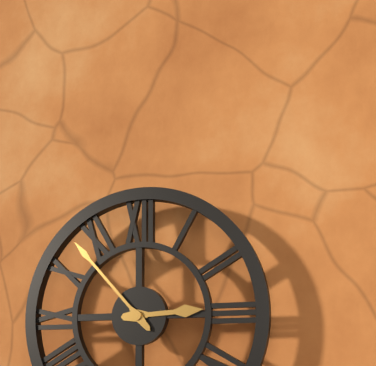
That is 2 h 53 min
